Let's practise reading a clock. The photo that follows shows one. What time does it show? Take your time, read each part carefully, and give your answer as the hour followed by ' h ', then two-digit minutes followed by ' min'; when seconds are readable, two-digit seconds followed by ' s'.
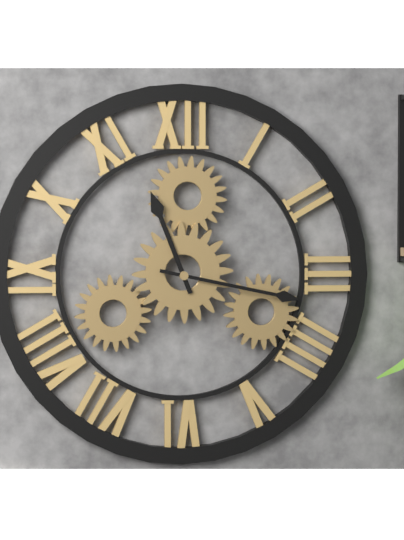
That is 11 h 17 min
